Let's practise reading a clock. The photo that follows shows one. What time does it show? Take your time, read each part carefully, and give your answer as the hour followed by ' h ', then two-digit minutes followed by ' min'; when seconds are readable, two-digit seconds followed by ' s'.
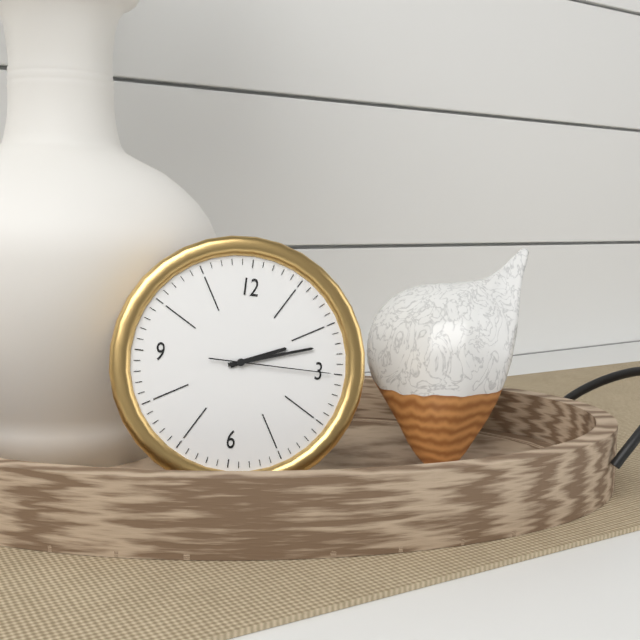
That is 2 h 12 min 15 s
